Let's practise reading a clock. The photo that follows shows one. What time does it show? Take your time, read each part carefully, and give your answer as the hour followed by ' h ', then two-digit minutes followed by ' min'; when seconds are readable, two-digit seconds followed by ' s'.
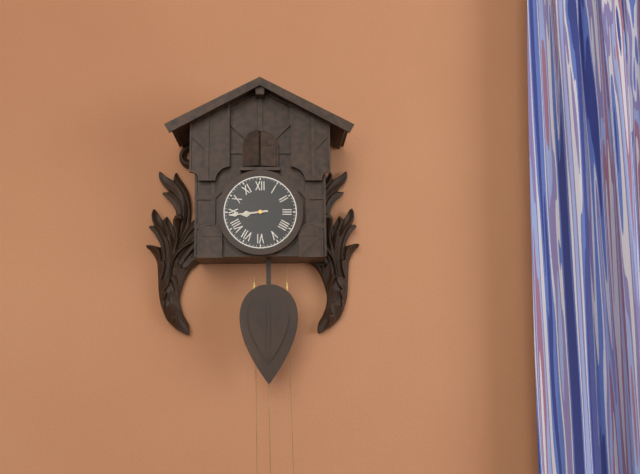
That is 8 h 44 min
